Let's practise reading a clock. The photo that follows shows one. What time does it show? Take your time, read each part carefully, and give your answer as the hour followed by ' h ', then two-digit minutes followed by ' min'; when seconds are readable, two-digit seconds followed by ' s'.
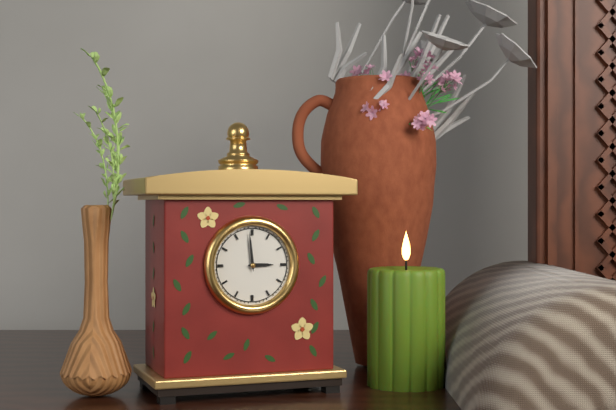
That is 2 h 59 min
